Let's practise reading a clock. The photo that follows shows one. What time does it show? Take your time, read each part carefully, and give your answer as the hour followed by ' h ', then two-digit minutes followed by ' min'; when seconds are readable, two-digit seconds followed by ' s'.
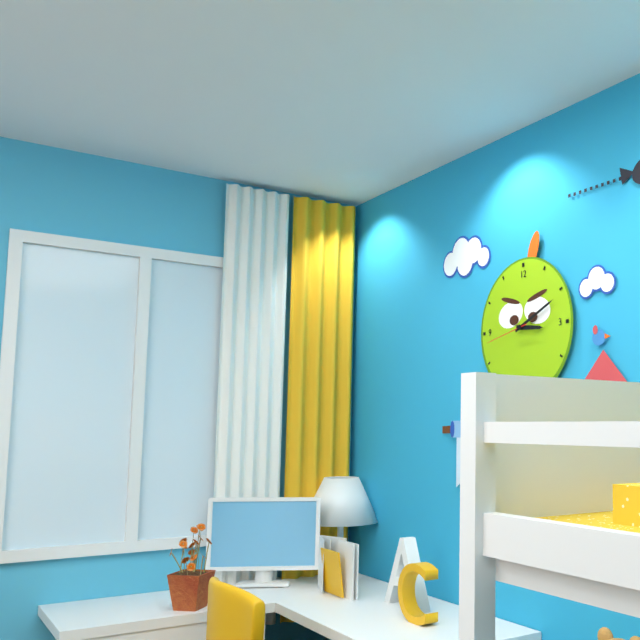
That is 3 h 11 min
